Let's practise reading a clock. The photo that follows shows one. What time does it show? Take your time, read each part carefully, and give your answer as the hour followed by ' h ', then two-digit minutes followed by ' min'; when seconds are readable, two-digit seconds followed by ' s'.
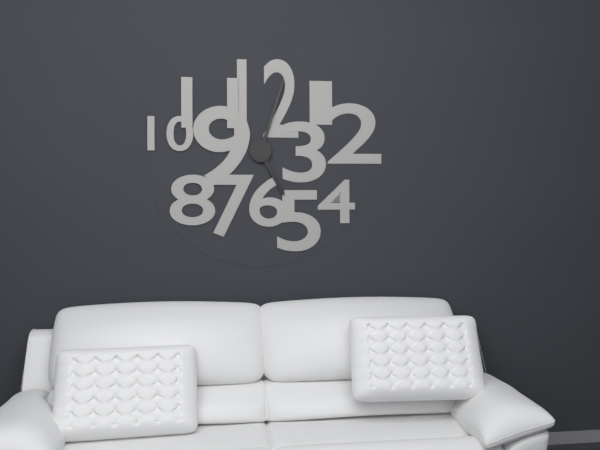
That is 5 h 03 min
